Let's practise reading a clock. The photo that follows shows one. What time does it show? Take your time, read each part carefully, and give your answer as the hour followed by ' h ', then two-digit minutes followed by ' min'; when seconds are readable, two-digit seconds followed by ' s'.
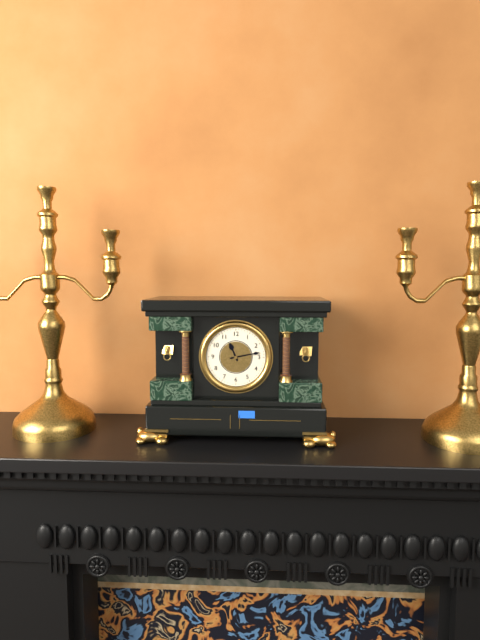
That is 11 h 13 min
